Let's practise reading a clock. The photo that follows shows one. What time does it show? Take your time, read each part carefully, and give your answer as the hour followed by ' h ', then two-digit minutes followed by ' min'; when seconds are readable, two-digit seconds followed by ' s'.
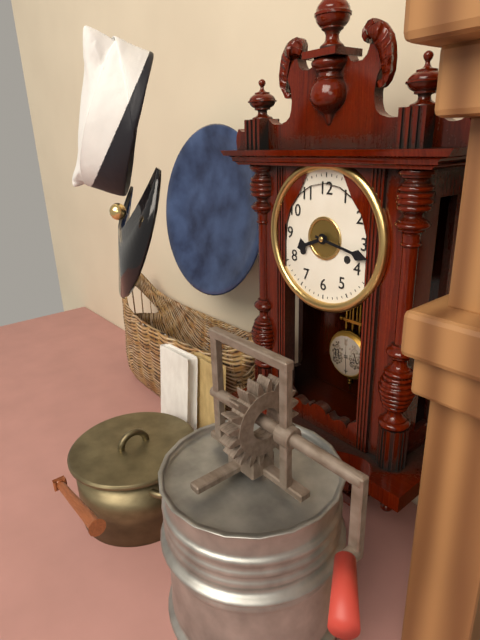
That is 8 h 17 min
